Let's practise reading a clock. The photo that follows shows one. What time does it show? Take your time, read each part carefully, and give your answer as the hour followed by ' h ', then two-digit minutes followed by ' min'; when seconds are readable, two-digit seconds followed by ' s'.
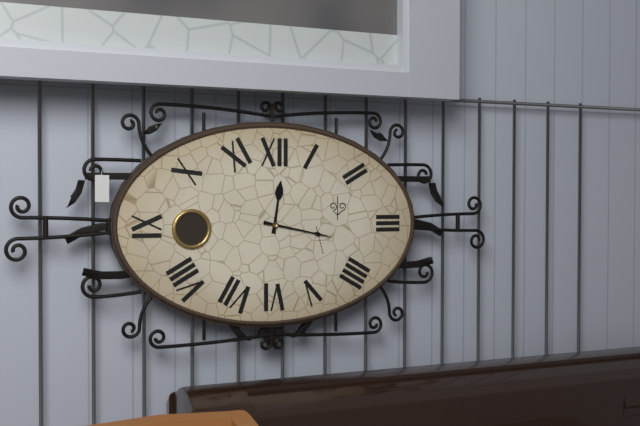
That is 12 h 17 min
